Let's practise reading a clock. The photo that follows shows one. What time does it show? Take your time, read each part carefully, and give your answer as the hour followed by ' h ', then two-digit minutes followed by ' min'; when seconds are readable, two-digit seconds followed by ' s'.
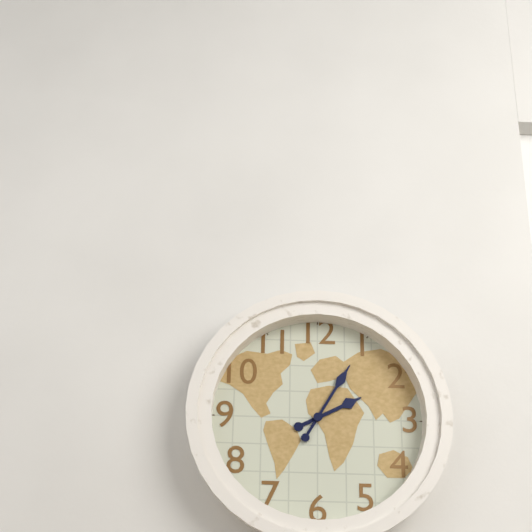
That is 2 h 05 min
